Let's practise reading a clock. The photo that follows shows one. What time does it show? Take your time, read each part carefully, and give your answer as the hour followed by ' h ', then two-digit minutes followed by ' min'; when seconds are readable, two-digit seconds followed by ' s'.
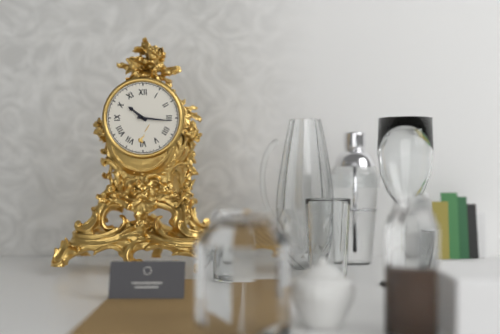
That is 10 h 16 min
